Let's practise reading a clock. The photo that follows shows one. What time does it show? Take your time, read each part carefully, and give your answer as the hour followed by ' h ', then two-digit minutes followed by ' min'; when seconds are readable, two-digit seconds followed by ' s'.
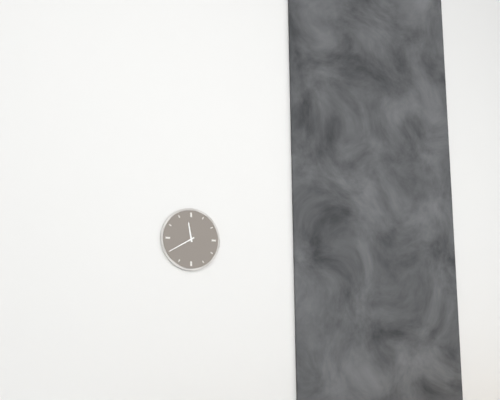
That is 11 h 40 min
